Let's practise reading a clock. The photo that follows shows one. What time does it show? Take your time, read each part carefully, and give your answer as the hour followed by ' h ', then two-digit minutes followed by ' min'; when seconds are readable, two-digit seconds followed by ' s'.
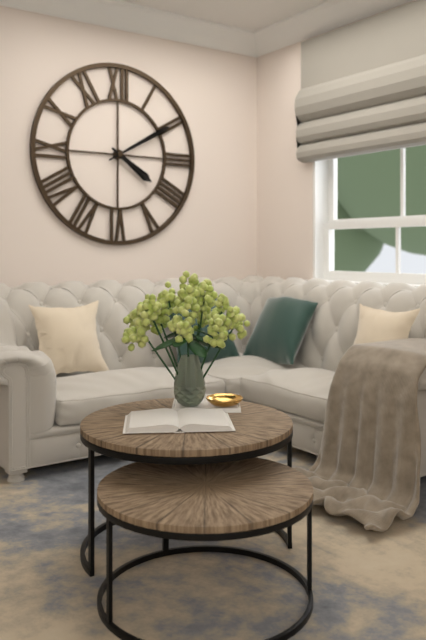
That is 4 h 10 min
